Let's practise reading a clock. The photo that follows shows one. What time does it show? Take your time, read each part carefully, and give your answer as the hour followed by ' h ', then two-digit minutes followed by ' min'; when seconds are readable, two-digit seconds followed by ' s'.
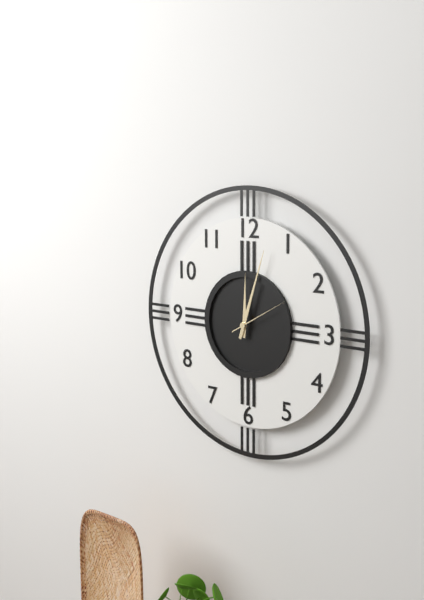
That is 12 h 03 min 10 s
